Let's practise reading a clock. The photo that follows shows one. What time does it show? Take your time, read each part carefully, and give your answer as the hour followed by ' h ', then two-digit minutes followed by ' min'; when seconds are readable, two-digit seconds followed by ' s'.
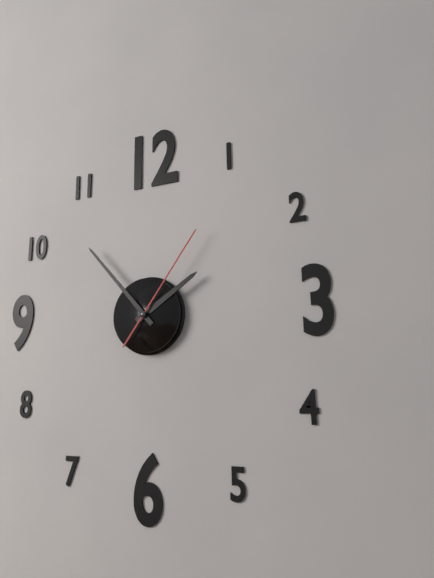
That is 1 h 53 min 06 s
